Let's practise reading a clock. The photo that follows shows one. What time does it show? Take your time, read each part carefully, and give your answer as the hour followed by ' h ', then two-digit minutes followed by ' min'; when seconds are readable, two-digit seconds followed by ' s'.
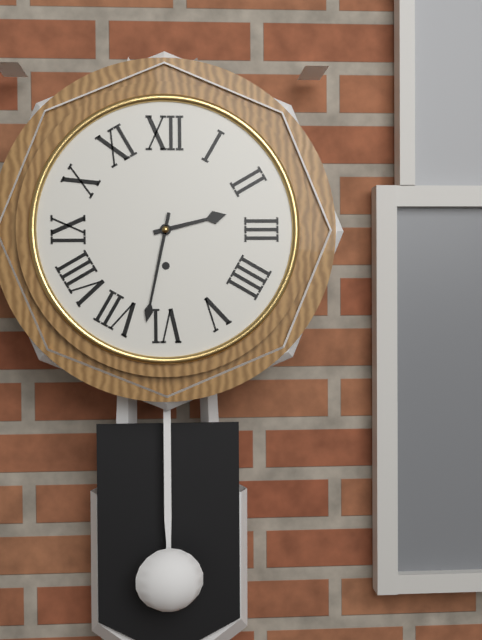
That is 2 h 32 min
